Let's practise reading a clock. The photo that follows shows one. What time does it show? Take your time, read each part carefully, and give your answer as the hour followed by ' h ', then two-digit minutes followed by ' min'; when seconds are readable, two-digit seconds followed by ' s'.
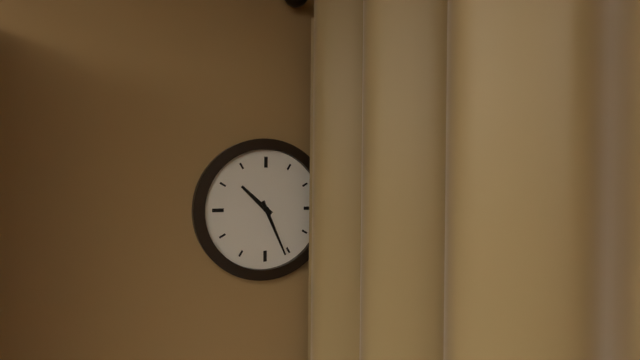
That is 10 h 26 min
